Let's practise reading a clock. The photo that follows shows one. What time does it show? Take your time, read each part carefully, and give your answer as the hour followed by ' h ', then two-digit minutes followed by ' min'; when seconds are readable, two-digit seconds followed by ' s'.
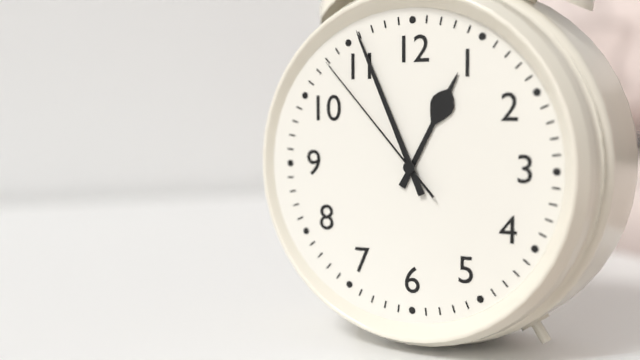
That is 12 h 56 min 53 s
